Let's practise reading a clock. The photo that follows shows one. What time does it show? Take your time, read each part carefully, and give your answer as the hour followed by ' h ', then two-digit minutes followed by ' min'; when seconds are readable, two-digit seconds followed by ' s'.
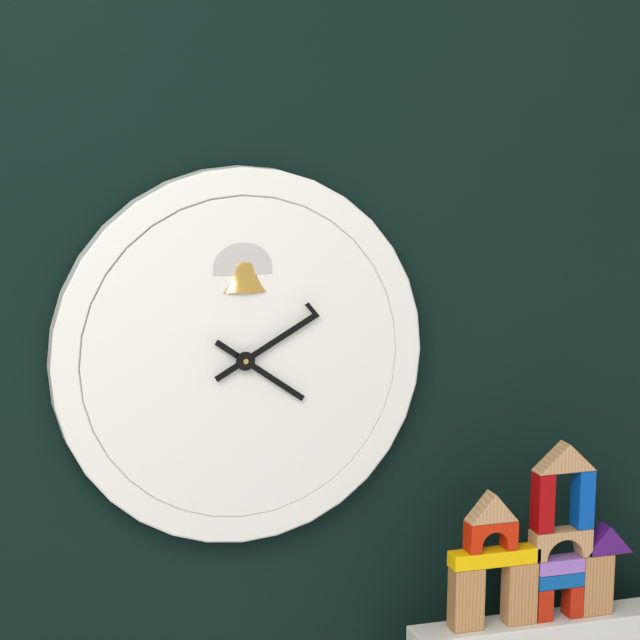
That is 4 h 10 min
